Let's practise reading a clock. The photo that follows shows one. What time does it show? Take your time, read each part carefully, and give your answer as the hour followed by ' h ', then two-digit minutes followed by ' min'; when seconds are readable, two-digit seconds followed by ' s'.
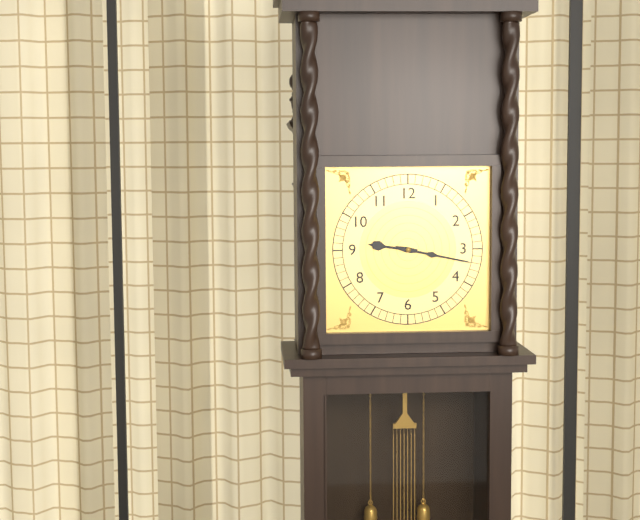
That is 9 h 17 min
